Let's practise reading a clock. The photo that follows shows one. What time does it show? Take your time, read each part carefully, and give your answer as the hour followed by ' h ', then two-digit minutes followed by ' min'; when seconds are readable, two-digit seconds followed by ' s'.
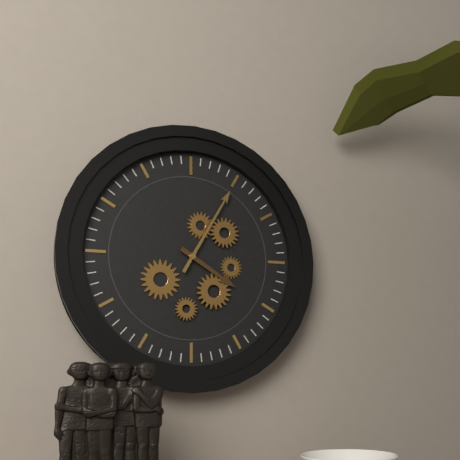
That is 4 h 05 min
